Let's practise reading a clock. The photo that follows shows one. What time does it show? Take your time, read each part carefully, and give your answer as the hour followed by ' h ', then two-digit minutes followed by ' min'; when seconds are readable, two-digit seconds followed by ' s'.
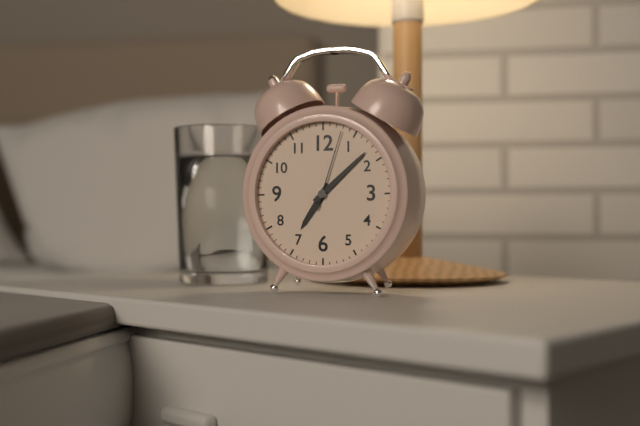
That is 7 h 08 min 03 s
